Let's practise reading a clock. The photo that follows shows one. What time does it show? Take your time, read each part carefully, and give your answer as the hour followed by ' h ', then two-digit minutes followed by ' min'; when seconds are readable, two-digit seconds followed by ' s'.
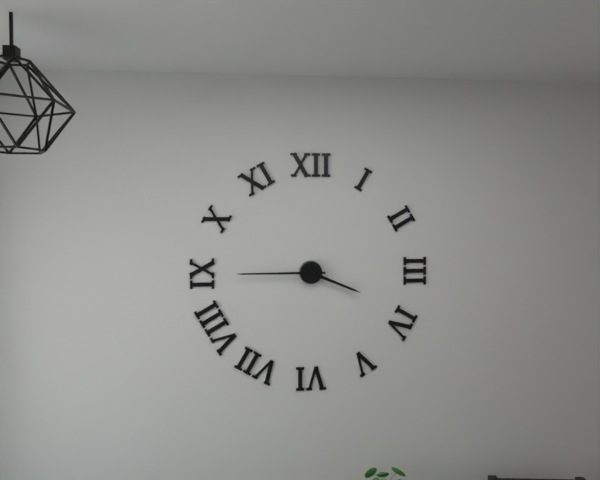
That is 3 h 45 min
